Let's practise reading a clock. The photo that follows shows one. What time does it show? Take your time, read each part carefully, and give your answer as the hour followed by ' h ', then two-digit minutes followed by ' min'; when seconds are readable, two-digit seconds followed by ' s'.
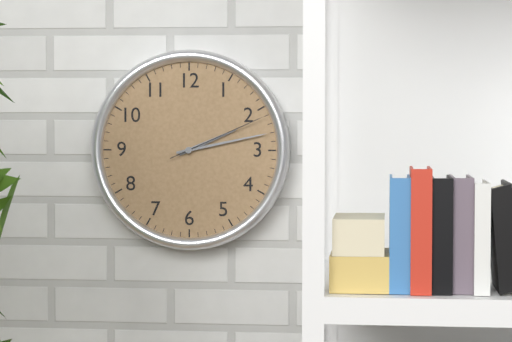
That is 2 h 13 min 11 s
